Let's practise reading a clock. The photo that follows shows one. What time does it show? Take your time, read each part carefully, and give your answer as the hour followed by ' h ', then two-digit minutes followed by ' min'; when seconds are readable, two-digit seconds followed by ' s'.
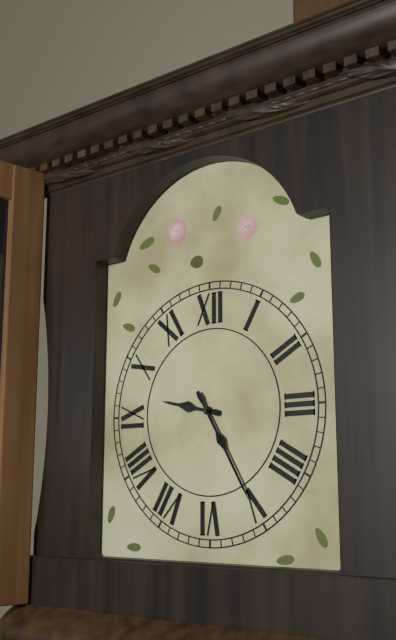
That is 9 h 25 min
